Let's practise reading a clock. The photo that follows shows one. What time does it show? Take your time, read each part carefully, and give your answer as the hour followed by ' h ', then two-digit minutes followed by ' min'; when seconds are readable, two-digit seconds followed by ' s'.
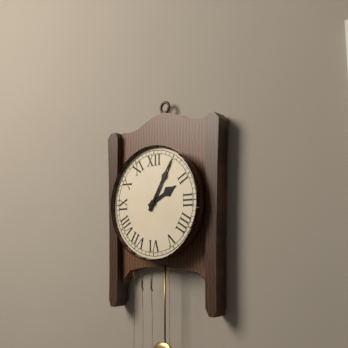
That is 2 h 05 min
